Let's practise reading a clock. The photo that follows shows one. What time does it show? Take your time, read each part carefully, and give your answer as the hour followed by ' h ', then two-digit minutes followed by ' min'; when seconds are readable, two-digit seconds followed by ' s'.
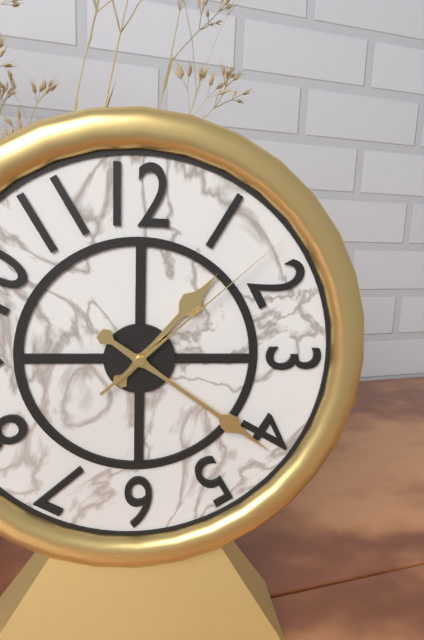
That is 1 h 21 min 08 s
